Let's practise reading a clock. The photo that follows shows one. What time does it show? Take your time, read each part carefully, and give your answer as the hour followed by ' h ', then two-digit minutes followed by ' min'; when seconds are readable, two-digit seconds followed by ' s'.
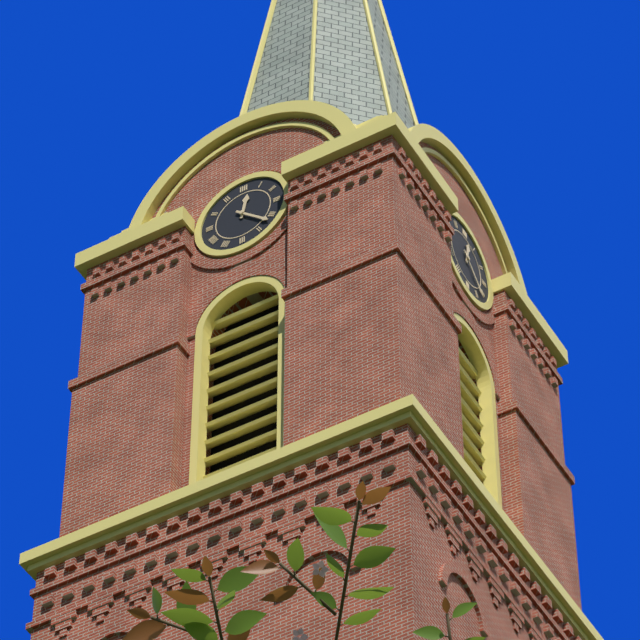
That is 12 h 22 min
